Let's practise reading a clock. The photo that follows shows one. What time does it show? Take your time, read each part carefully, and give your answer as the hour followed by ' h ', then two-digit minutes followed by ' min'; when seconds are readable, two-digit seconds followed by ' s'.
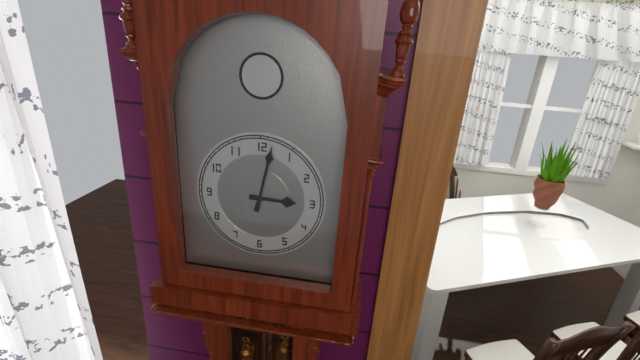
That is 3 h 02 min
